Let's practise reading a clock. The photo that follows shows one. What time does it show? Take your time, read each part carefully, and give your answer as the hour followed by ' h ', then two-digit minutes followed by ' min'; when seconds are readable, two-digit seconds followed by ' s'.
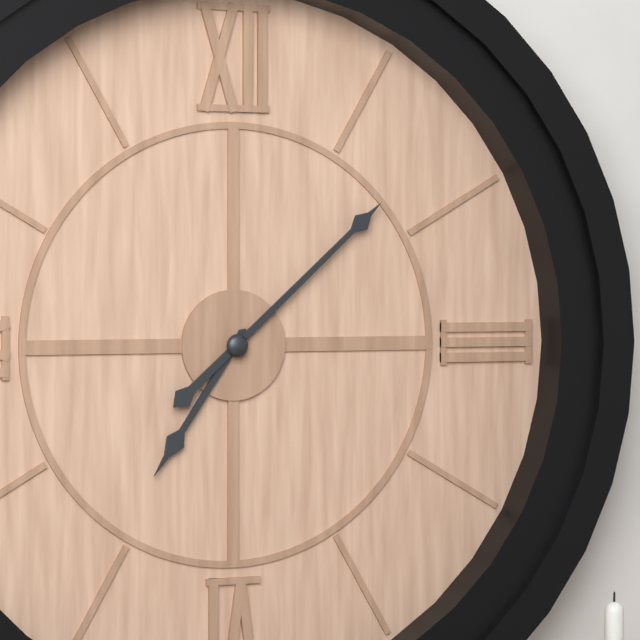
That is 7 h 08 min
